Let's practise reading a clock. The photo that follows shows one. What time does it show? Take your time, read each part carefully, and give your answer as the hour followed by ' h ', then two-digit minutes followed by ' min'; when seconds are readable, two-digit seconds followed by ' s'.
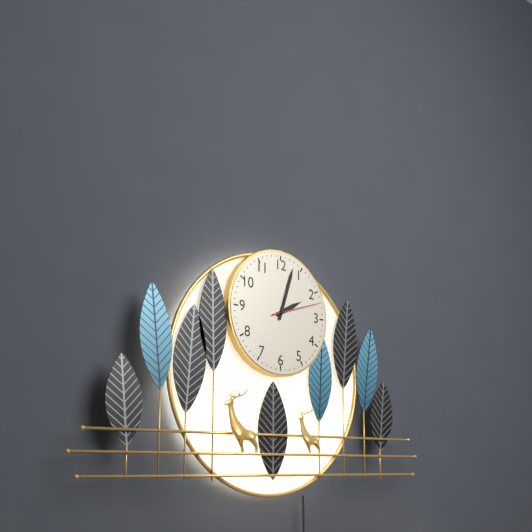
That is 2 h 03 min
